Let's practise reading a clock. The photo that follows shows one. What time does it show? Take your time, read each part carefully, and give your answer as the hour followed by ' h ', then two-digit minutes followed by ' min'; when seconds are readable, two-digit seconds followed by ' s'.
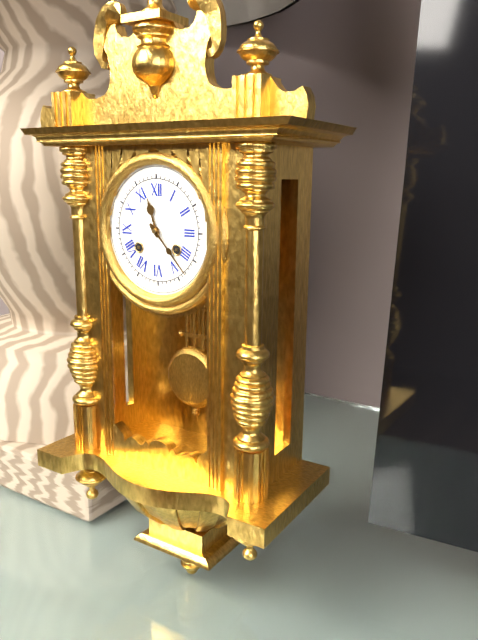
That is 11 h 23 min
